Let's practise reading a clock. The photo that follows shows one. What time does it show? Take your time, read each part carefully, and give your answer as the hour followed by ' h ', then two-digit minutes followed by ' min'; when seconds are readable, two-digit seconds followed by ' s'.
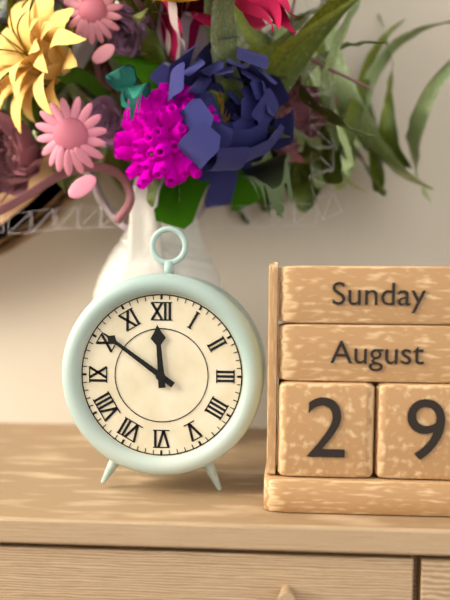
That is 11 h 51 min
